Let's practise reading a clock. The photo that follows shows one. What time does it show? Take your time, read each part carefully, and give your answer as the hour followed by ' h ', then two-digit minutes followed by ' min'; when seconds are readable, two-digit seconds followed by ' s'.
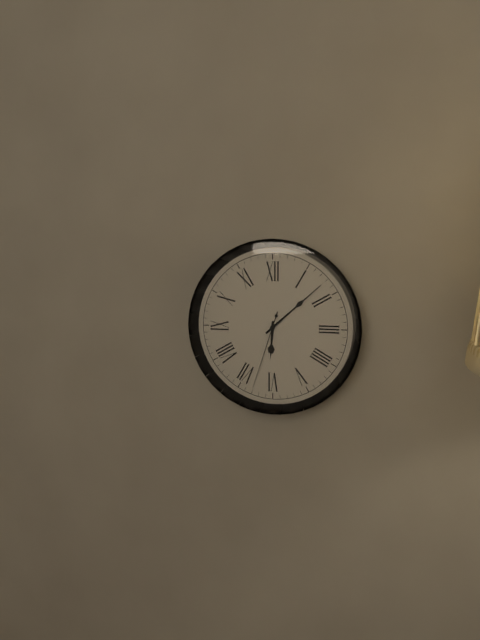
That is 6 h 08 min 33 s
